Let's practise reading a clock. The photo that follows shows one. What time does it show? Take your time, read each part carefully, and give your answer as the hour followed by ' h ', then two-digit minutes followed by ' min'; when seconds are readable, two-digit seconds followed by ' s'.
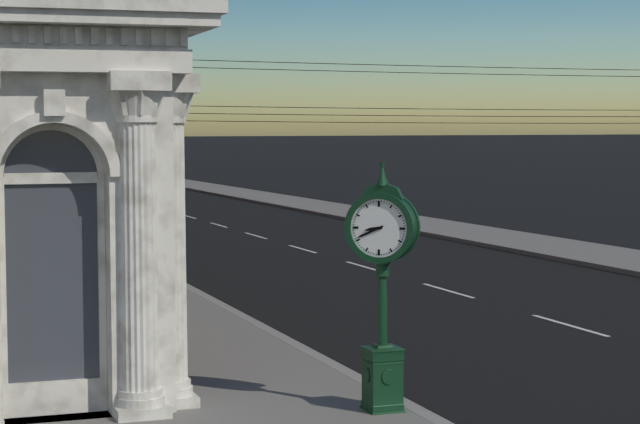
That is 8 h 41 min
